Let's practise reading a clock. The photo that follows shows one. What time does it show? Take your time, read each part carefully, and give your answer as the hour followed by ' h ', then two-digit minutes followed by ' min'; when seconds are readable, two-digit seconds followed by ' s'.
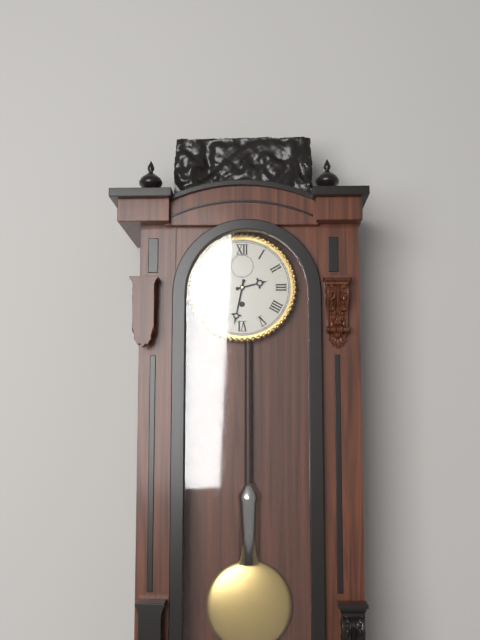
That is 2 h 32 min
